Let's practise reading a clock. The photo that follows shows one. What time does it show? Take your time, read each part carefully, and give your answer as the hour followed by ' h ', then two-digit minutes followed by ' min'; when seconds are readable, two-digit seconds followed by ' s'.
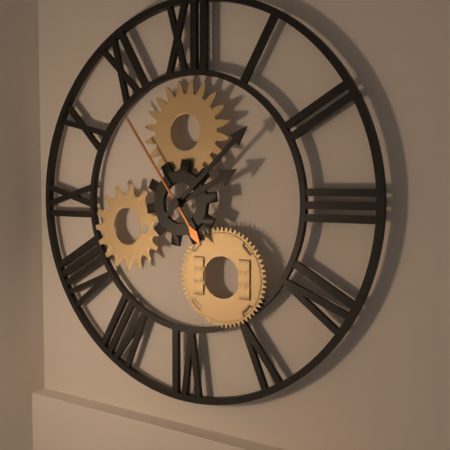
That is 2 h 08 min 54 s
